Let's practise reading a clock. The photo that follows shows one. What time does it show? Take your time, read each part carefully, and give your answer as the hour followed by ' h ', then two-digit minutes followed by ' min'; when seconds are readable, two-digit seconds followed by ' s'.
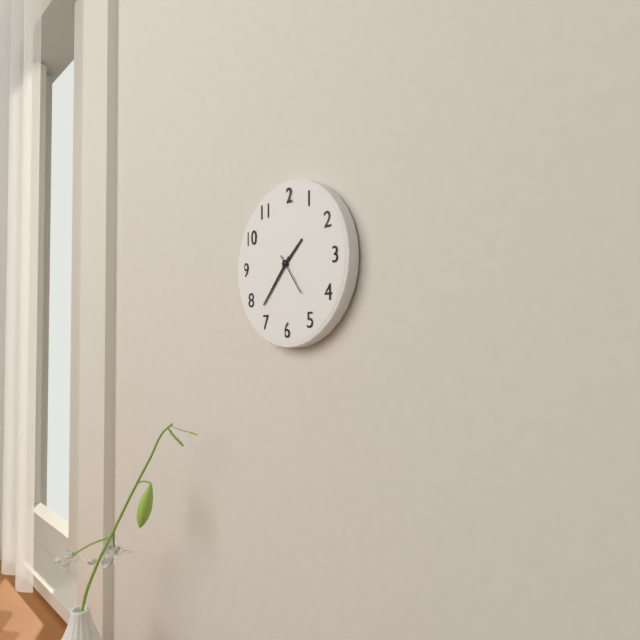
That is 1 h 37 min
